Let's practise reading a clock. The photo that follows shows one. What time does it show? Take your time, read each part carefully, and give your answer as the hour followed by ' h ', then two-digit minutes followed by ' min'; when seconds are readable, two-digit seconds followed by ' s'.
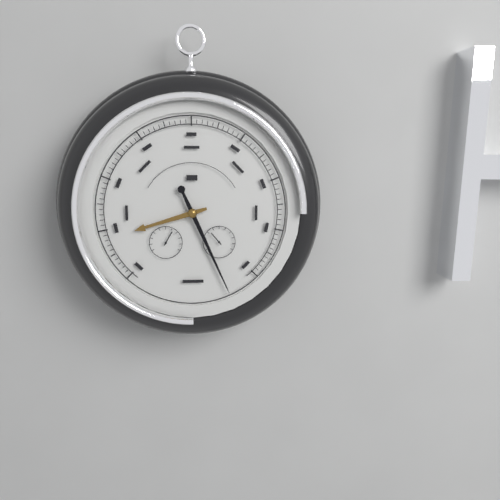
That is 8 h 26 min
